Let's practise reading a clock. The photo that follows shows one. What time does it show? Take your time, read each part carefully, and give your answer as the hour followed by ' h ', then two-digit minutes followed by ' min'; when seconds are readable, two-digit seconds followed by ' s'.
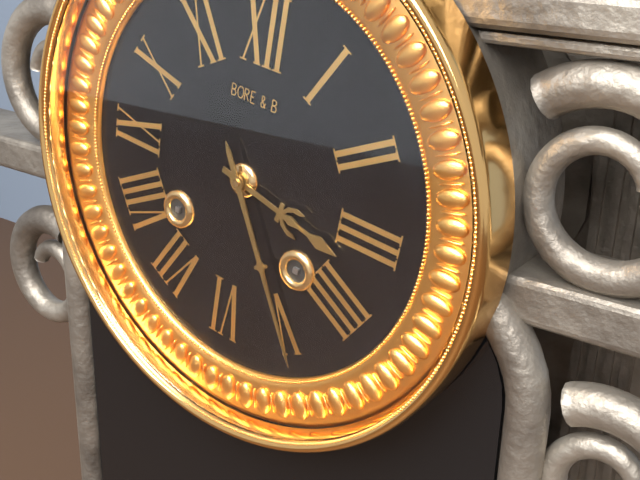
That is 3 h 25 min
